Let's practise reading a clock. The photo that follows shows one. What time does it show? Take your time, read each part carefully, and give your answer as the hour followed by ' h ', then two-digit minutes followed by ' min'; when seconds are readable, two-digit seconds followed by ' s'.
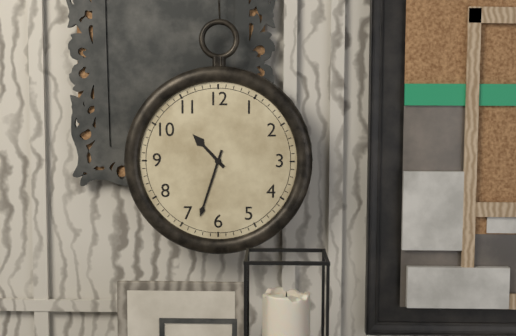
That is 10 h 33 min
